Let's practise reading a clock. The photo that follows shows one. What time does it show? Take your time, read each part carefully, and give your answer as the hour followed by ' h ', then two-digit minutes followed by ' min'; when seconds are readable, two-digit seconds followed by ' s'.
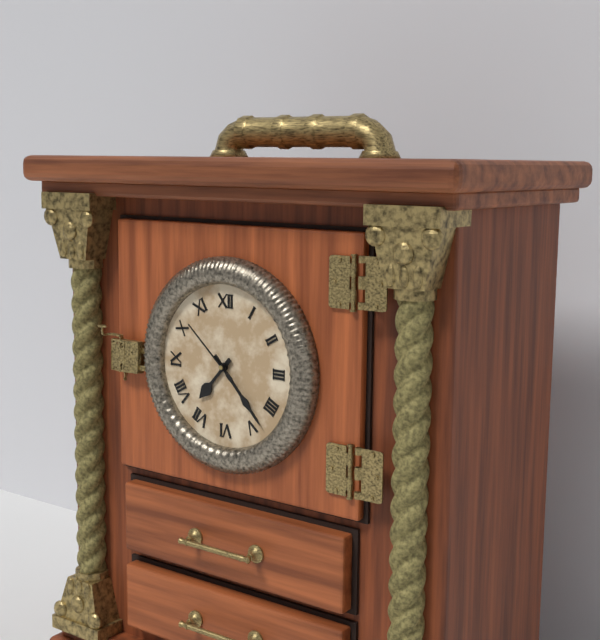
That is 7 h 23 min 52 s
